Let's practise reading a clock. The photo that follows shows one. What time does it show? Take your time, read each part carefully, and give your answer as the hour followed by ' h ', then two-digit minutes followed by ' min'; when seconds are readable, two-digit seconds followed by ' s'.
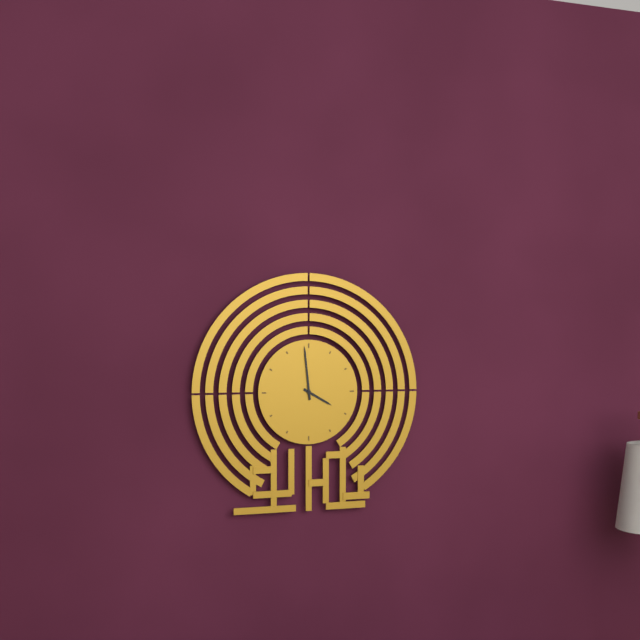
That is 3 h 59 min
